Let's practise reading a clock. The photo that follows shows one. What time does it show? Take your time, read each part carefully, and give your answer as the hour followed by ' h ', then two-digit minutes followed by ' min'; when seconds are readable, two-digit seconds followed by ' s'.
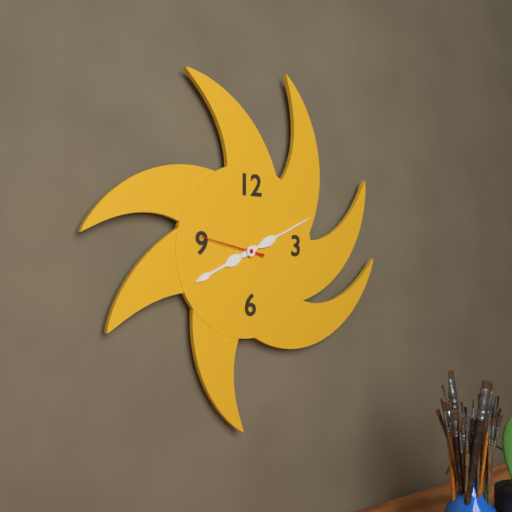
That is 8 h 11 min 47 s
